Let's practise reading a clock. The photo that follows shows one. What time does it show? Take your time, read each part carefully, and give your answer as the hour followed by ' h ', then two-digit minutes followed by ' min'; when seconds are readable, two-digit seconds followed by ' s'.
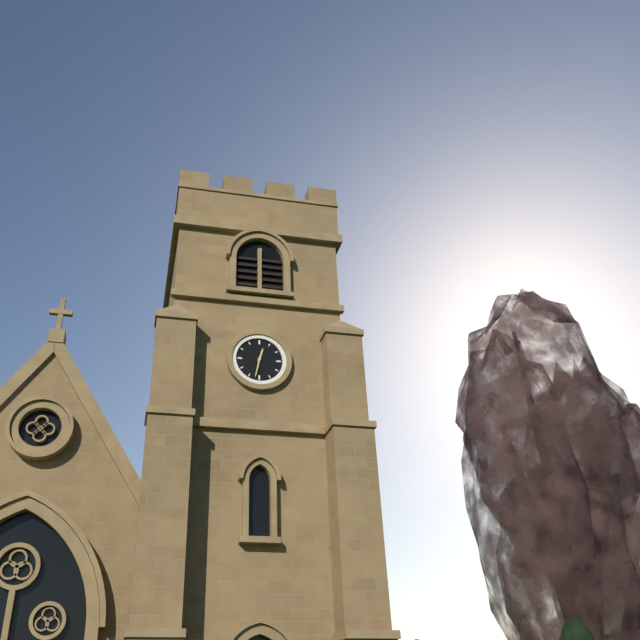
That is 12 h 32 min
